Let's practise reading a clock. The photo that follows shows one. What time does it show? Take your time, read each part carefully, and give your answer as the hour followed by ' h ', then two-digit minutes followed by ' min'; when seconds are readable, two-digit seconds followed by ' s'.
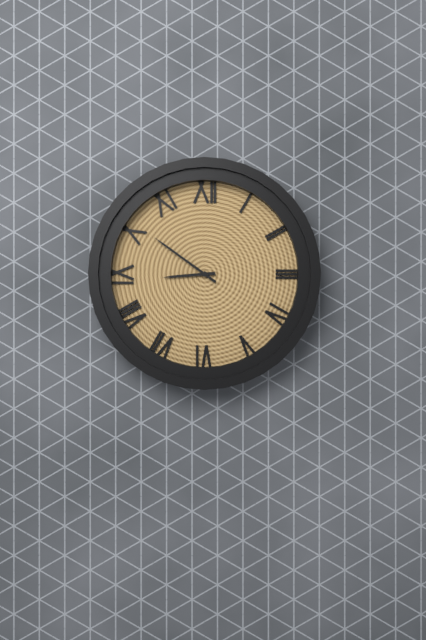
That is 8 h 51 min
